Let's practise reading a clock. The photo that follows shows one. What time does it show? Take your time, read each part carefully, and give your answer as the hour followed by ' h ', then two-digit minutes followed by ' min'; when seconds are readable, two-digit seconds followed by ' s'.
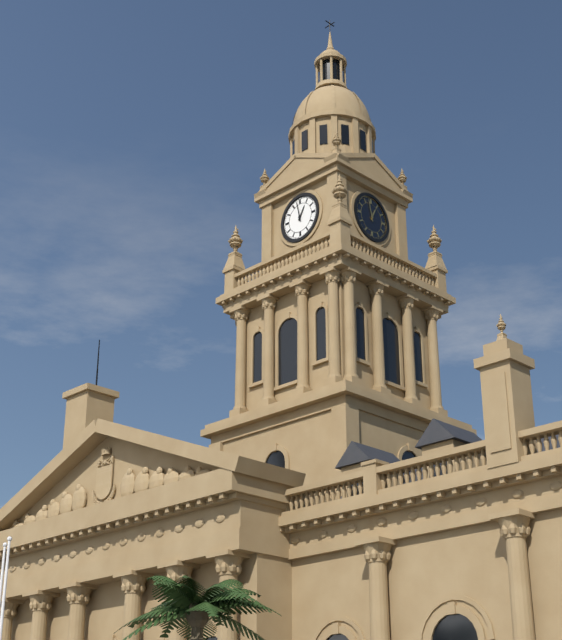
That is 12 h 58 min
